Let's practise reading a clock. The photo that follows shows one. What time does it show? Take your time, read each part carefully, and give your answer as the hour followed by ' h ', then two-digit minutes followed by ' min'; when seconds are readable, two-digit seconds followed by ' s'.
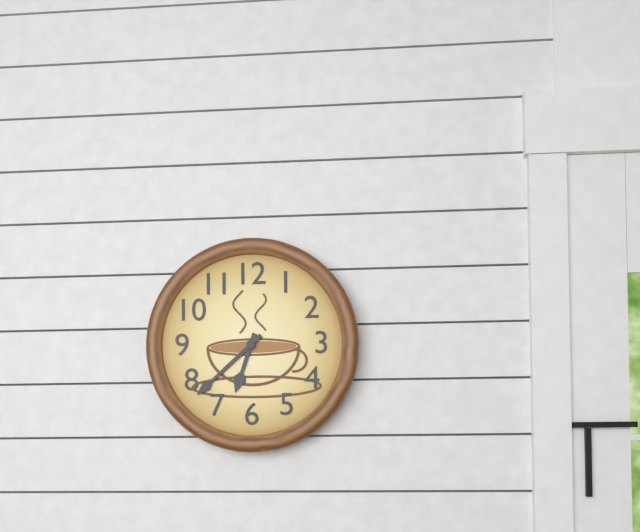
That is 6 h 38 min
